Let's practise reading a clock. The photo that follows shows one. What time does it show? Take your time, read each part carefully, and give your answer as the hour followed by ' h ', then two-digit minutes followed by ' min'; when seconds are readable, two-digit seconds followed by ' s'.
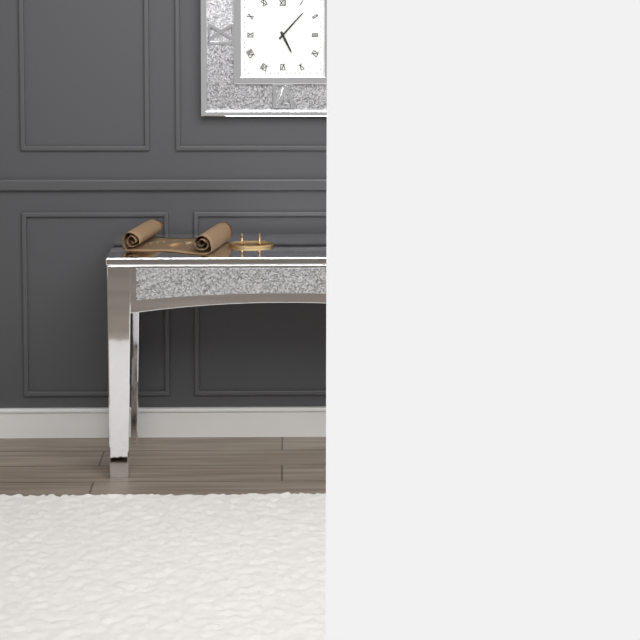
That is 5 h 07 min
